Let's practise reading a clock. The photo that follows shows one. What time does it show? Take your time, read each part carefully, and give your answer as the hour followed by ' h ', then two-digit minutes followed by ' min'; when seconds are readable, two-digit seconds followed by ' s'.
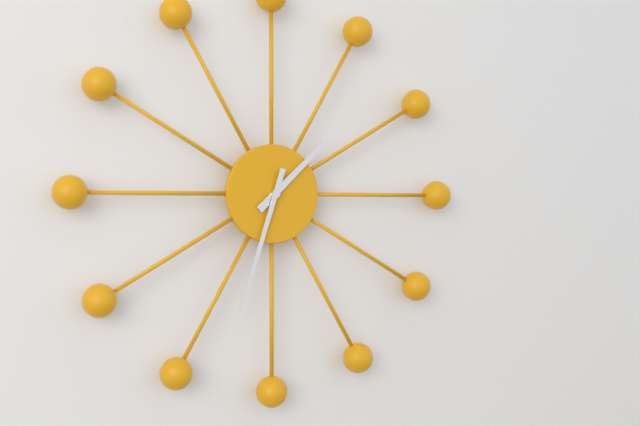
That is 1 h 33 min
